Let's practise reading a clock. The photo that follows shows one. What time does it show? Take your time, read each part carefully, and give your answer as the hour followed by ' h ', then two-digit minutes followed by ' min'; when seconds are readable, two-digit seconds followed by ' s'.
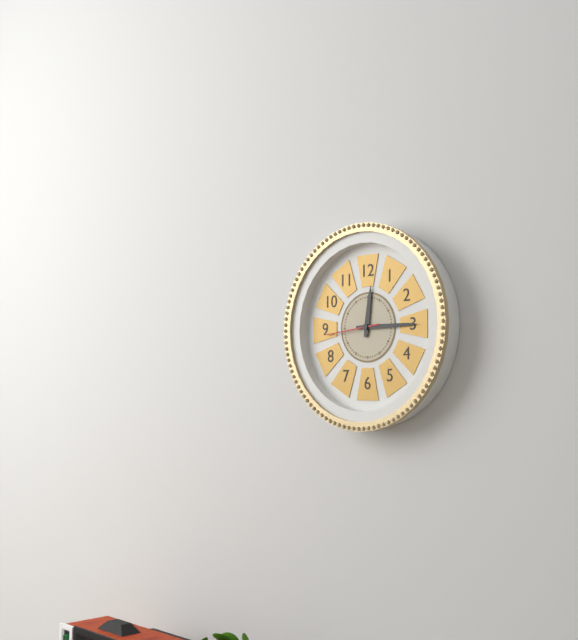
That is 12 h 15 min 44 s
